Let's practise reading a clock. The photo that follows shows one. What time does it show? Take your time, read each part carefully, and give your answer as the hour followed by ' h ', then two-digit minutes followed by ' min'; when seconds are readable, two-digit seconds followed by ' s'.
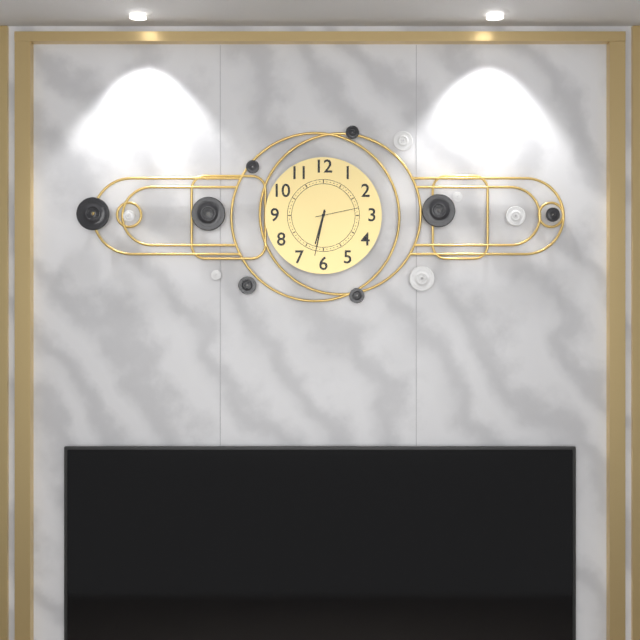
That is 6 h 32 min
